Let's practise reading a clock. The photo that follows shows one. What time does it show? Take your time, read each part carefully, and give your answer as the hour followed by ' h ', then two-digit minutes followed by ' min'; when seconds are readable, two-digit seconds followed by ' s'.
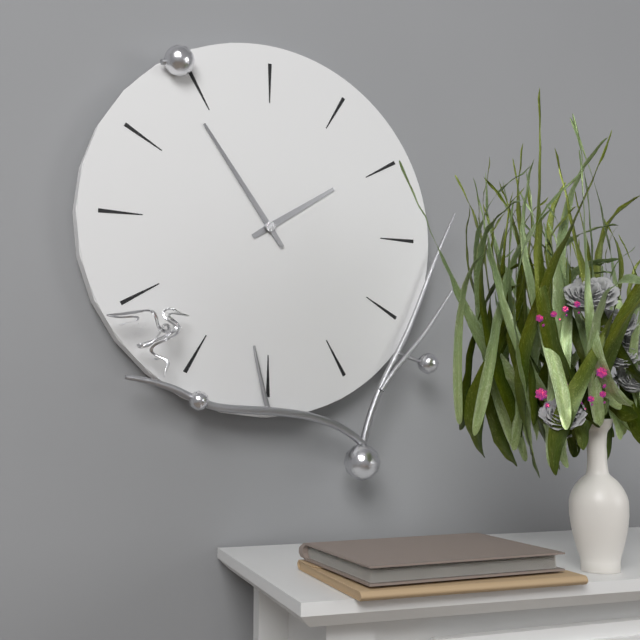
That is 1 h 54 min
